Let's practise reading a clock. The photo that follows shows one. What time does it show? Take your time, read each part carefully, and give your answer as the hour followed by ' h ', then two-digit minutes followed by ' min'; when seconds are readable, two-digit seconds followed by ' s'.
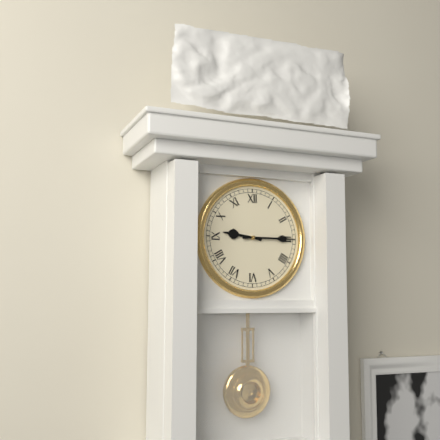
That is 9 h 15 min
